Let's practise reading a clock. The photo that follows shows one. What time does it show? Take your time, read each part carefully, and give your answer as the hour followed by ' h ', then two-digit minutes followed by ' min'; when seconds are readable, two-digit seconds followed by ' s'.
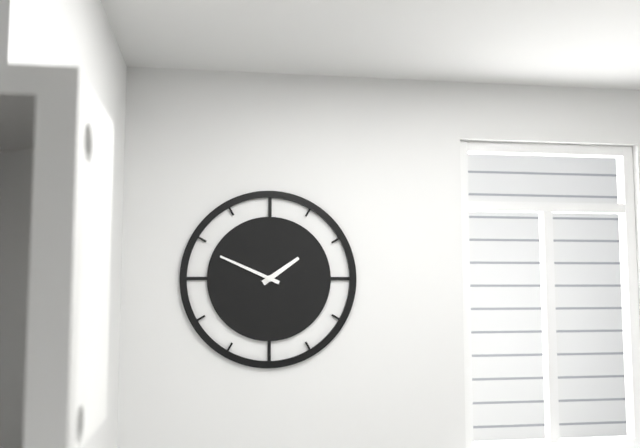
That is 1 h 49 min
